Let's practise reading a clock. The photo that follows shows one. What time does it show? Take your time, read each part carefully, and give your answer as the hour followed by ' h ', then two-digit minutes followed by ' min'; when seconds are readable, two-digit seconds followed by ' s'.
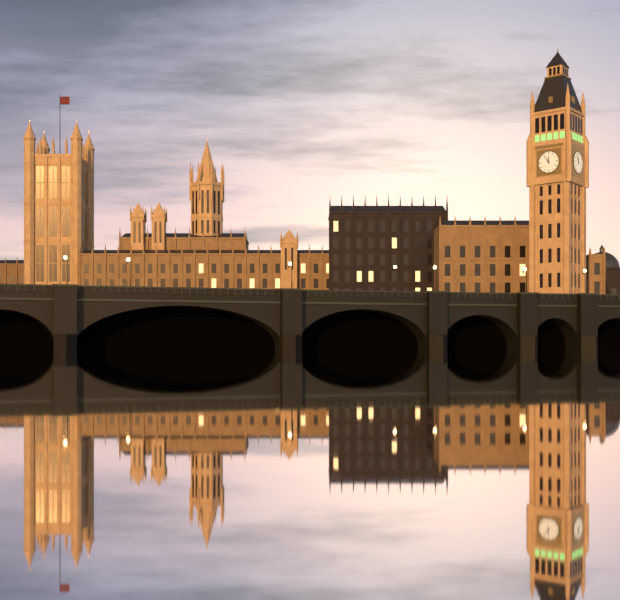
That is 11 h 54 min
